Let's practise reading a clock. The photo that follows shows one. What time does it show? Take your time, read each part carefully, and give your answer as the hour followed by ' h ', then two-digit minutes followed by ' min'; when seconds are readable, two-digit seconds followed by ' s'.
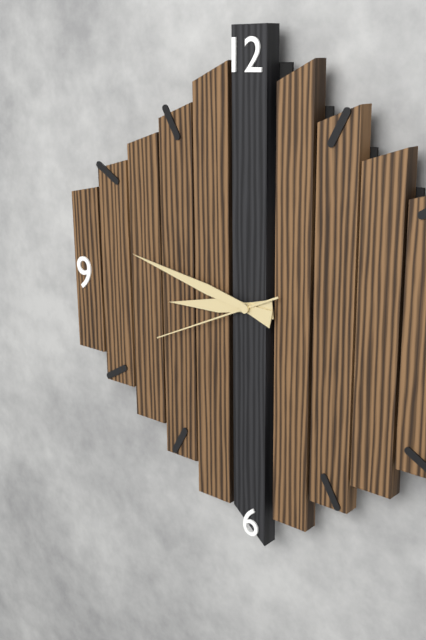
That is 8 h 47 min 41 s
